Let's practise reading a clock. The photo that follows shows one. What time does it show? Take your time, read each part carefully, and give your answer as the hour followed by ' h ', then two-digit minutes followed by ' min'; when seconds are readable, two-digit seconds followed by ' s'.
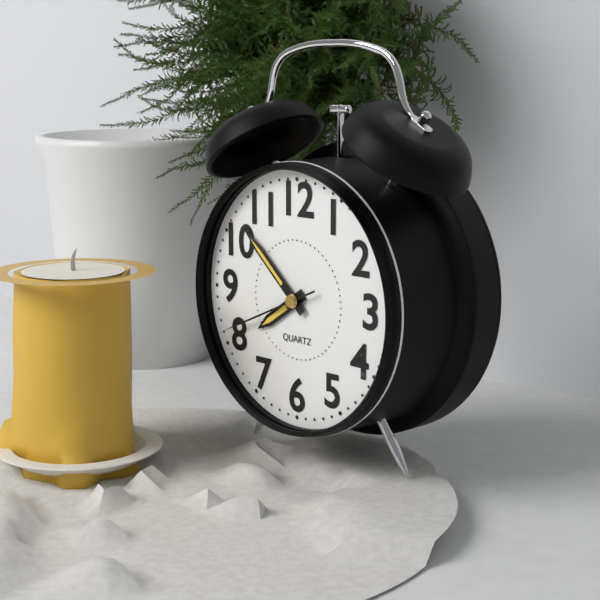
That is 7 h 52 min 41 s
